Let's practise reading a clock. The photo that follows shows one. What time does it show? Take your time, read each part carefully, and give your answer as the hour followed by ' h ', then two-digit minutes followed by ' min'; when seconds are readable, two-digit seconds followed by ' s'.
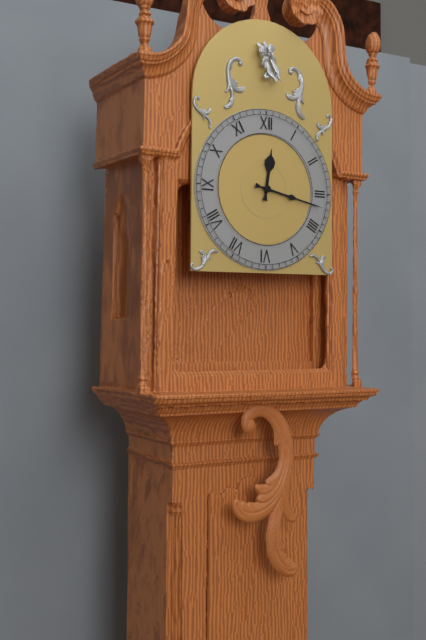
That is 12 h 17 min
